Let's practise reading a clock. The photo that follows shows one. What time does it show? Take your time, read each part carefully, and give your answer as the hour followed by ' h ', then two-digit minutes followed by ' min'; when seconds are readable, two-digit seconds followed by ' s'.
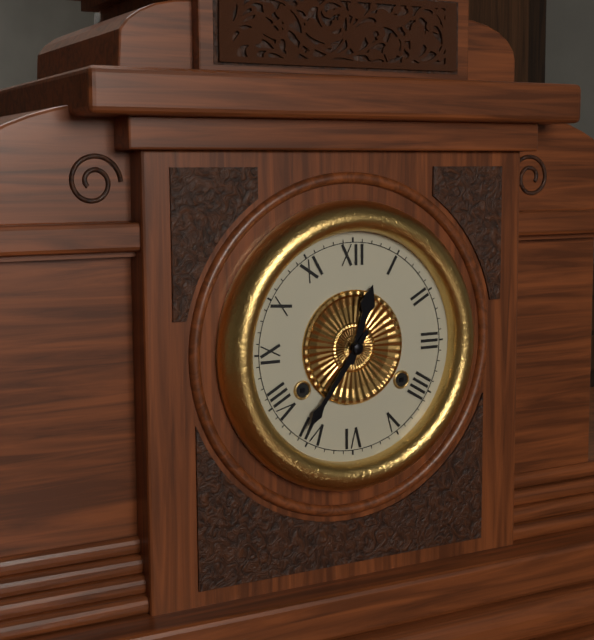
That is 12 h 36 min
